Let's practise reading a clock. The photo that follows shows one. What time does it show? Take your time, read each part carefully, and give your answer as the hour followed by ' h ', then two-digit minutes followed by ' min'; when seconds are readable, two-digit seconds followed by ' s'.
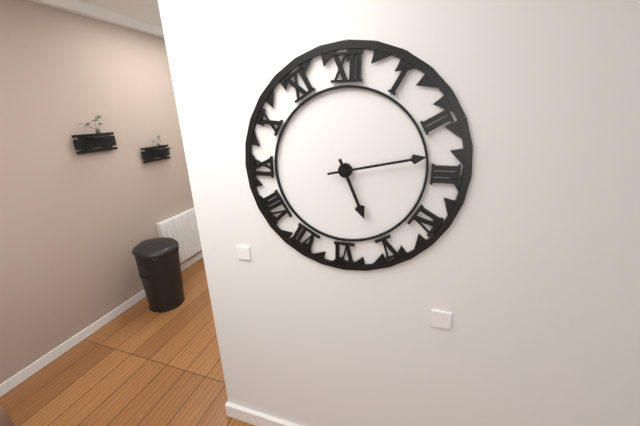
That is 5 h 13 min
